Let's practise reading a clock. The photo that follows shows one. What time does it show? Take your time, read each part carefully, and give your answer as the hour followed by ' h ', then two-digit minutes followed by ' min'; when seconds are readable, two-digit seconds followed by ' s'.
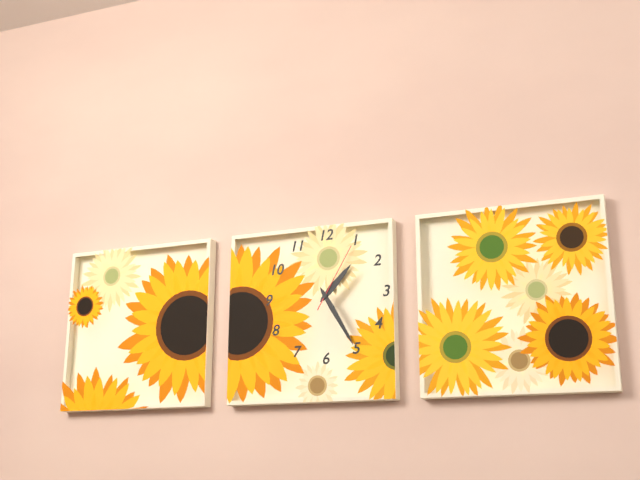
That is 1 h 25 min 05 s
